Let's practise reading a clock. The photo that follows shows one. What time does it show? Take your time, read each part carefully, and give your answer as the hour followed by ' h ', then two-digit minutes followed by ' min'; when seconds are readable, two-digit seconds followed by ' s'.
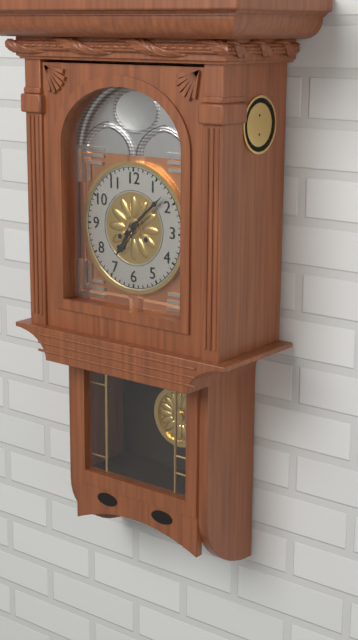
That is 7 h 08 min
